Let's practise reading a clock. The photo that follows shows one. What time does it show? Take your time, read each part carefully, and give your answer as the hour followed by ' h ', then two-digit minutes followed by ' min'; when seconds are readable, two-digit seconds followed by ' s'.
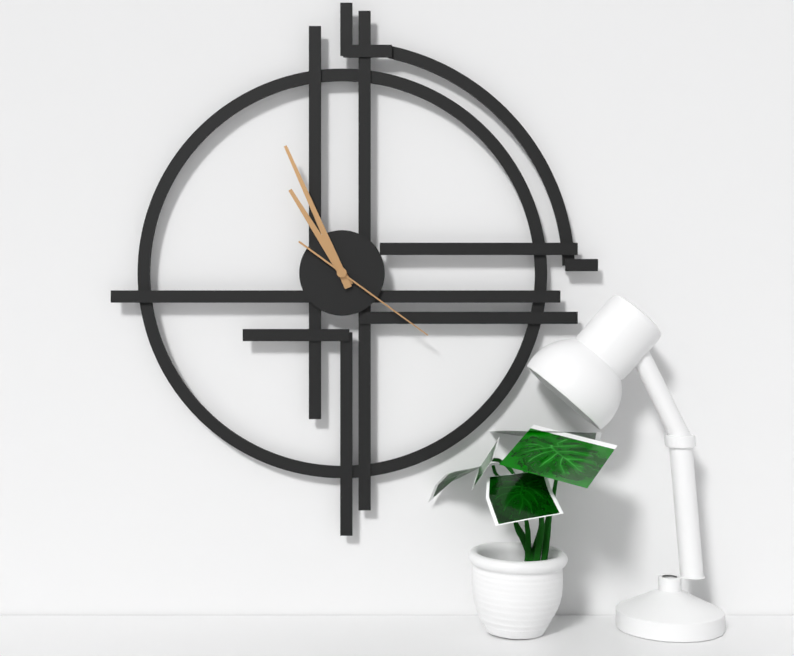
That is 10 h 56 min 21 s
